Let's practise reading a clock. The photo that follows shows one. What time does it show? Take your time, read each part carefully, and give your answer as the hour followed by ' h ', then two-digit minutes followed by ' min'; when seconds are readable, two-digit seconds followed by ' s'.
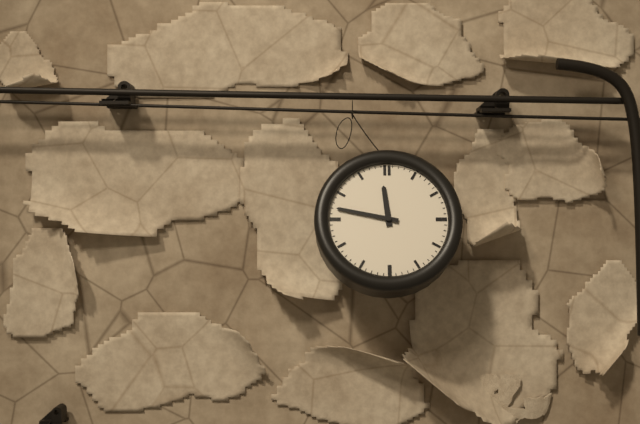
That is 11 h 47 min
